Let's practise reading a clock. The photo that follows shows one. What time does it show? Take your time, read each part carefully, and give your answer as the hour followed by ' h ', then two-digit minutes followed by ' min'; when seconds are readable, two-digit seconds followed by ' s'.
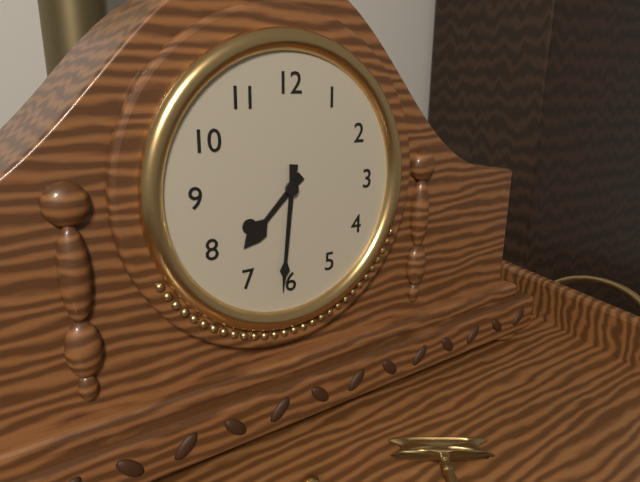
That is 7 h 31 min
